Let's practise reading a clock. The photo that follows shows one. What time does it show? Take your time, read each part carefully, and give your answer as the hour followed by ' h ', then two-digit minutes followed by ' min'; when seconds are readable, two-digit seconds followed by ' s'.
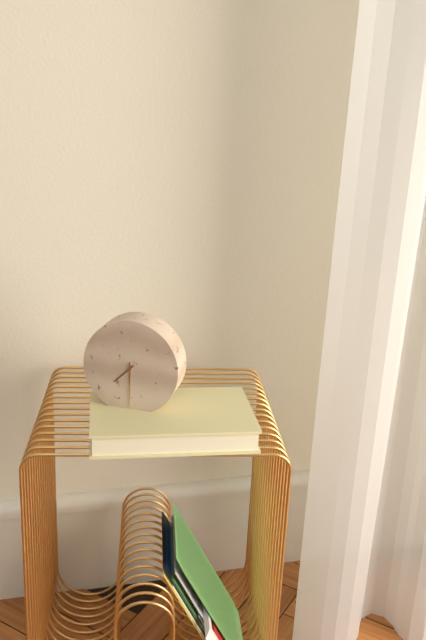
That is 7 h 30 min
